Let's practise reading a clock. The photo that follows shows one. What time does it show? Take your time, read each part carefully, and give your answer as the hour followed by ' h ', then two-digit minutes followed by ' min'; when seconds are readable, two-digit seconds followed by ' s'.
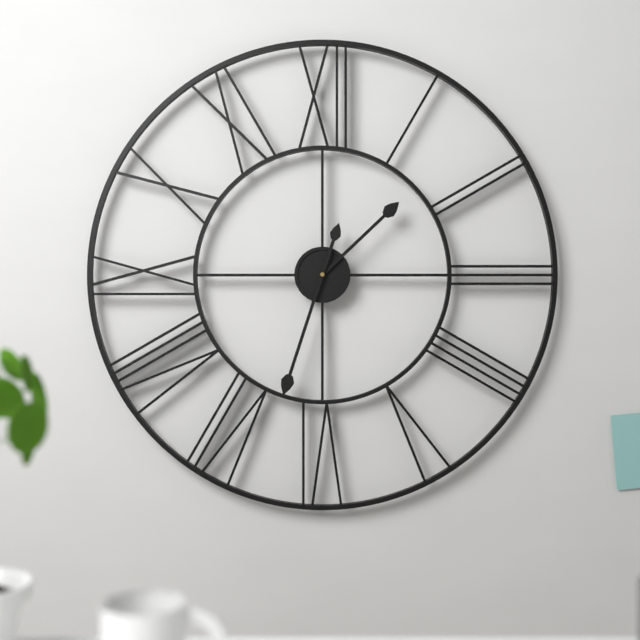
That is 1 h 33 min
